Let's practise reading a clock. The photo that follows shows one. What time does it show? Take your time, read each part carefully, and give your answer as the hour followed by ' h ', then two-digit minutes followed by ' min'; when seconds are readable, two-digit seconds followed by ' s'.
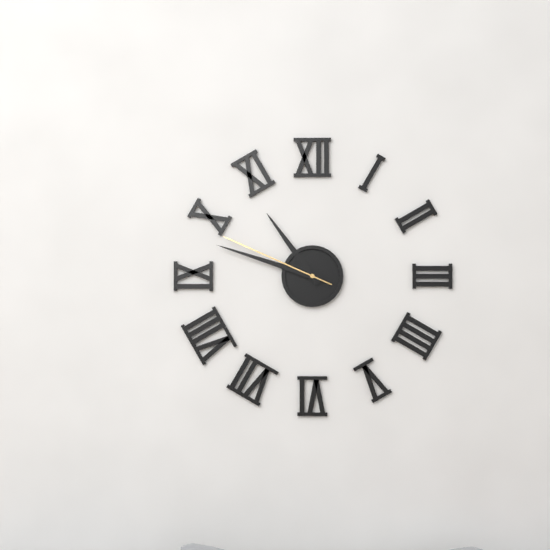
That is 10 h 48 min 49 s
